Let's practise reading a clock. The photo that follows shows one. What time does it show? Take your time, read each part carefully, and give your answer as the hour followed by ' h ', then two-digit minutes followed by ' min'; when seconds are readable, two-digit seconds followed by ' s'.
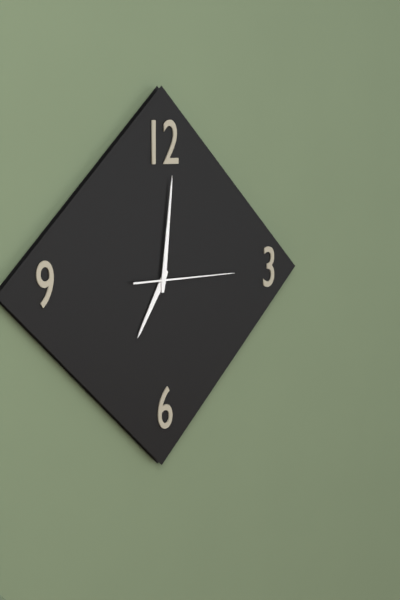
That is 7 h 01 min 15 s
